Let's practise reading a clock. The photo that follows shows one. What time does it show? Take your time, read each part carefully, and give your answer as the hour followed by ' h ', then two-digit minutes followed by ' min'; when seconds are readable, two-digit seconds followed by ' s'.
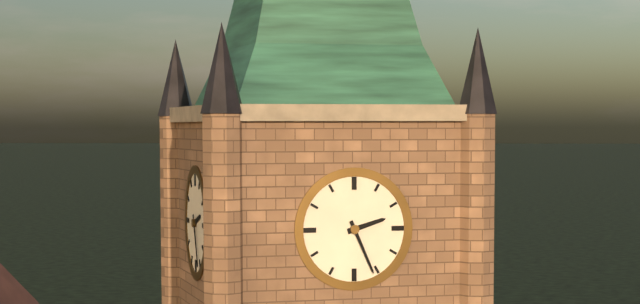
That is 2 h 26 min
